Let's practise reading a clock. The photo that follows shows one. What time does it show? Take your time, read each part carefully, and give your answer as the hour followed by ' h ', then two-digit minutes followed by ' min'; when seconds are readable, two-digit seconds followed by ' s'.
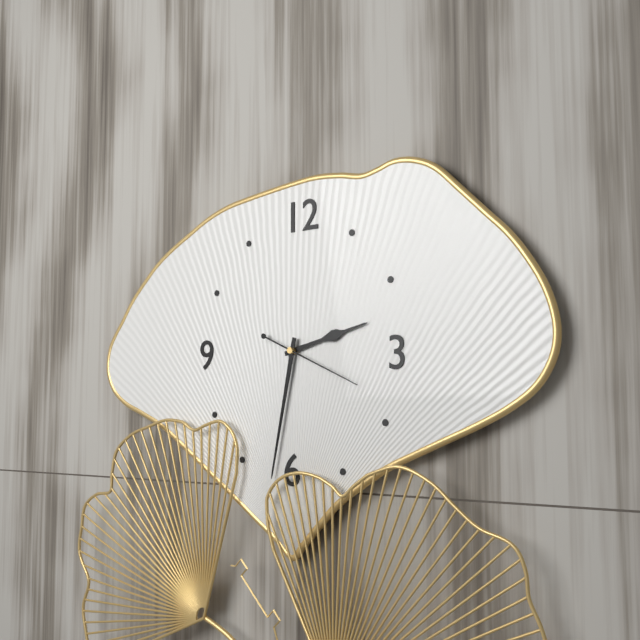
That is 2 h 32 min 19 s
